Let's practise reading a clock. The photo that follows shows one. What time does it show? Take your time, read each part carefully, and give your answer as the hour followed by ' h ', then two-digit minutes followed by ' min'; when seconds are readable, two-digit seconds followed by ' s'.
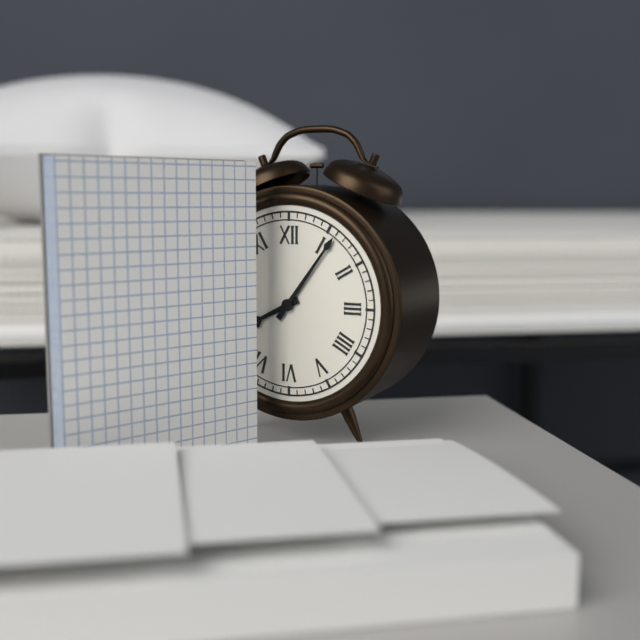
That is 8 h 06 min
